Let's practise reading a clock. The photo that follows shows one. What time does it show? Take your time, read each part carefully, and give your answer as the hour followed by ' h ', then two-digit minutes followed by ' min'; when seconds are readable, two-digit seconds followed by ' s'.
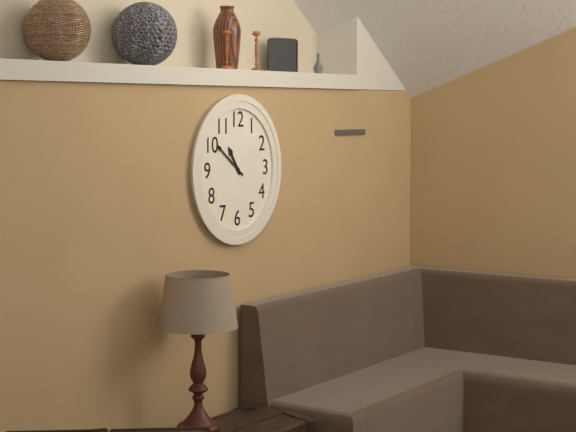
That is 10 h 51 min
